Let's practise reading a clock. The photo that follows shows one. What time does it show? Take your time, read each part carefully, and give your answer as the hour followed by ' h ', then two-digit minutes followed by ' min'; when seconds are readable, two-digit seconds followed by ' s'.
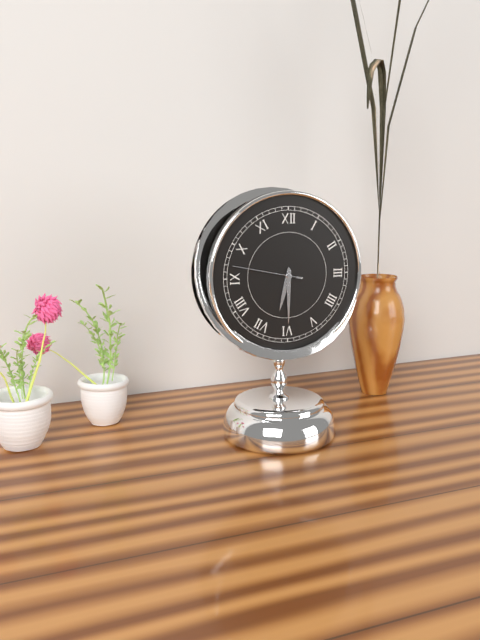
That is 6 h 30 min 47 s
